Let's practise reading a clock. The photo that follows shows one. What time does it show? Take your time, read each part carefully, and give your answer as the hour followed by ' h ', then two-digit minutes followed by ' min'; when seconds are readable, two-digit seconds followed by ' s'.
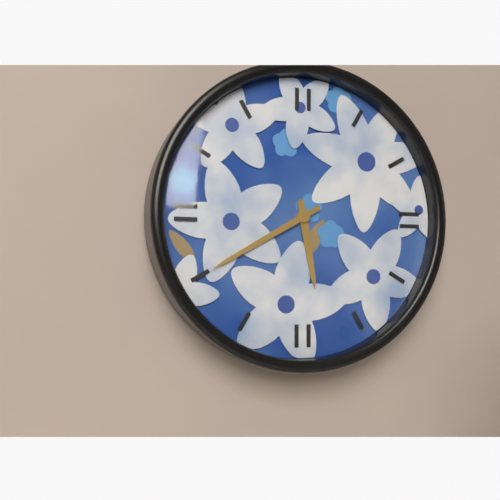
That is 5 h 40 min
